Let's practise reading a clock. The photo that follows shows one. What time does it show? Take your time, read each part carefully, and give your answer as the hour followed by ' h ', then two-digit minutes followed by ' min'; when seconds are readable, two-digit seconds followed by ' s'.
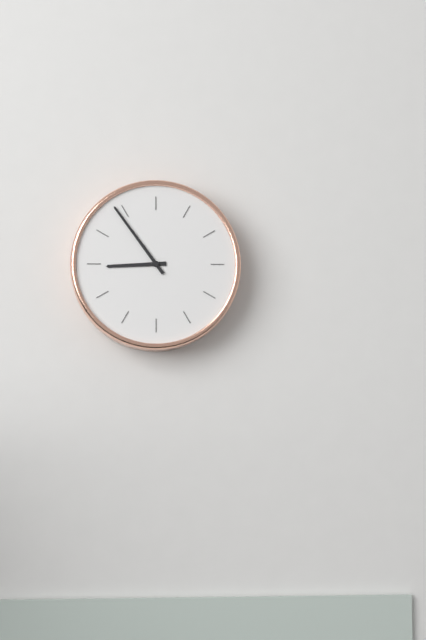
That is 8 h 54 min
